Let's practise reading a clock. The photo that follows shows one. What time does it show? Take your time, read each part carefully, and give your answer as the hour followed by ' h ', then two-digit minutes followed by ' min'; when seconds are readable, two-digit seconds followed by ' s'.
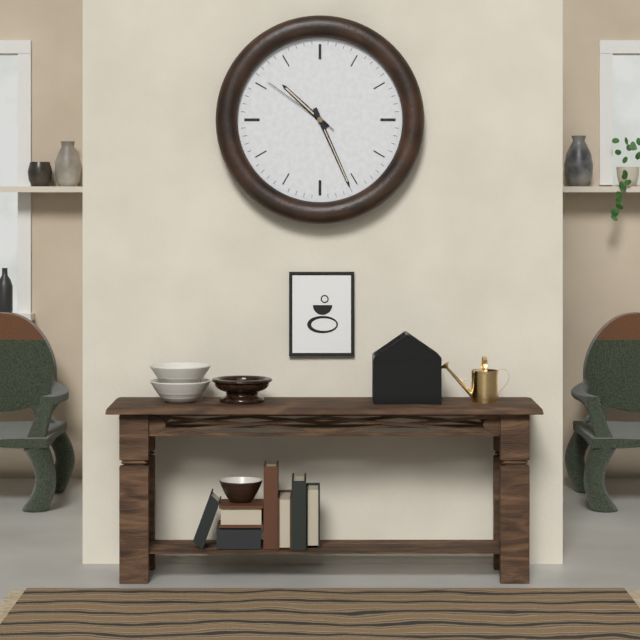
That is 10 h 26 min 51 s
